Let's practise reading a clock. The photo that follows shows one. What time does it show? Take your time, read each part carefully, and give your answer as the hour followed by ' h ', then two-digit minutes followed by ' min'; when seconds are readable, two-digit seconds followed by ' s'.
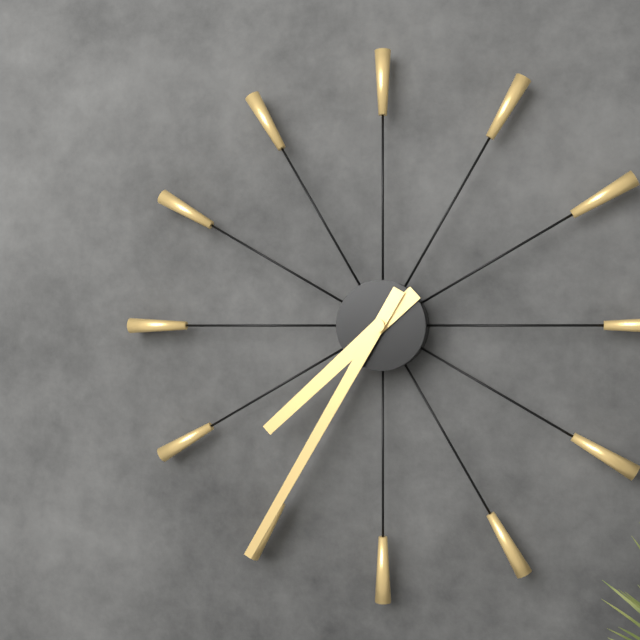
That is 7 h 35 min
